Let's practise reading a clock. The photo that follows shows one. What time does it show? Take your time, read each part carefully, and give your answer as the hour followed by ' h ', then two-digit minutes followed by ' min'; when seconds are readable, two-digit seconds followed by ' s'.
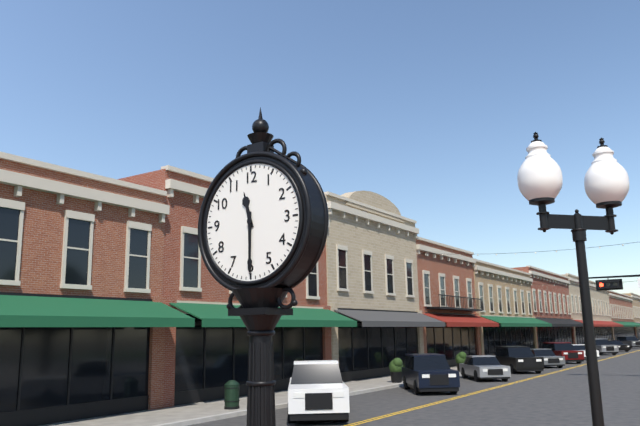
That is 11 h 30 min
